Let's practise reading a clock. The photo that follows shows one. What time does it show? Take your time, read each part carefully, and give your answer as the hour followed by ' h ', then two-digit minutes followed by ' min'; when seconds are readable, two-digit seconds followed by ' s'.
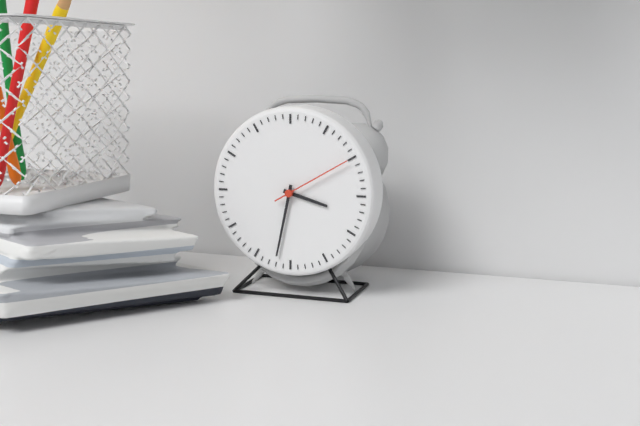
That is 3 h 32 min 10 s
